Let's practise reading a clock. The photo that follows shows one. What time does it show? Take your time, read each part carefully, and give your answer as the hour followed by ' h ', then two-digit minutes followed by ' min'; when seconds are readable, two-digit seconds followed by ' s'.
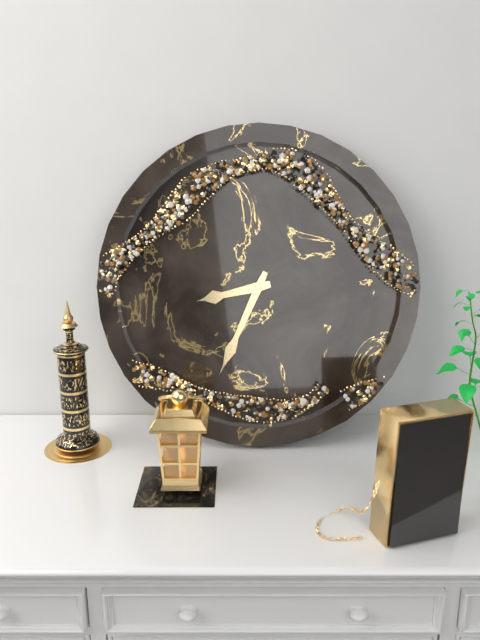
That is 8 h 34 min
